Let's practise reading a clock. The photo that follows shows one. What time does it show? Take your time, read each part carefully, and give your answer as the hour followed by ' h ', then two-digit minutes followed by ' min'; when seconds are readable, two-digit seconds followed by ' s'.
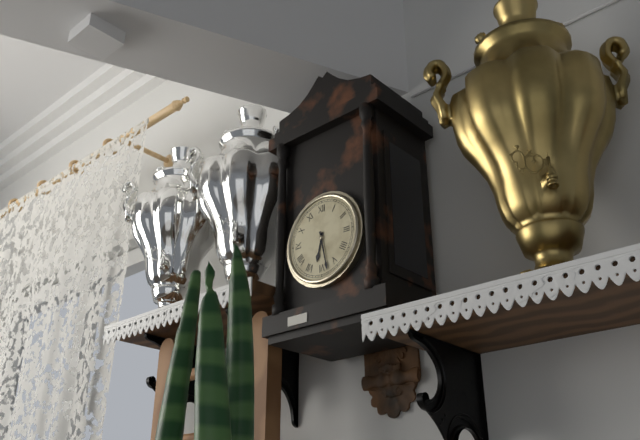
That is 6 h 28 min
